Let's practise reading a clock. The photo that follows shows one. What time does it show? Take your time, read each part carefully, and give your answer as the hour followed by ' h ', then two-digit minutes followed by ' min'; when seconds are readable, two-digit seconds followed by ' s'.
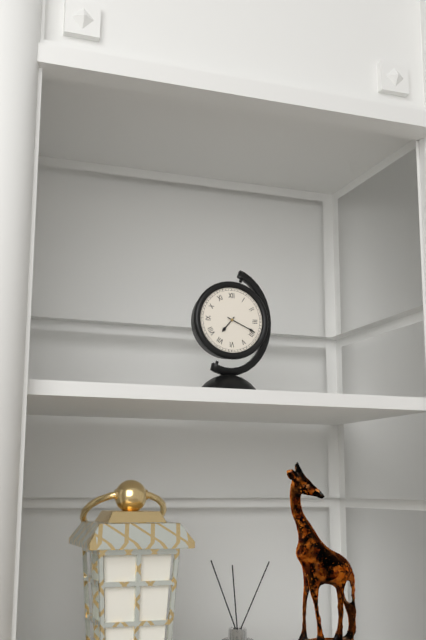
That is 7 h 19 min
